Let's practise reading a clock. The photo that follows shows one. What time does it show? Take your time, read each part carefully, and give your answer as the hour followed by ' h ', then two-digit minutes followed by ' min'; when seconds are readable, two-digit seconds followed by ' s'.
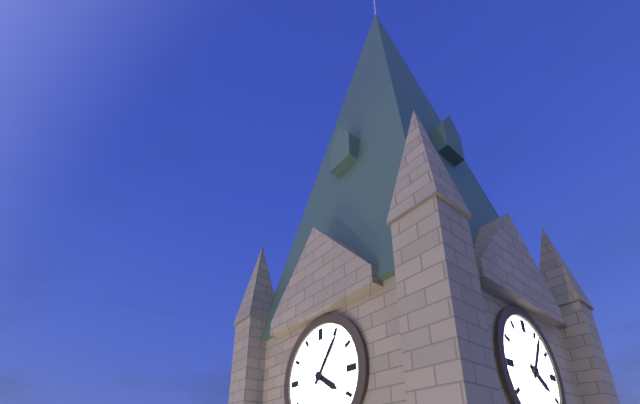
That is 4 h 06 min
